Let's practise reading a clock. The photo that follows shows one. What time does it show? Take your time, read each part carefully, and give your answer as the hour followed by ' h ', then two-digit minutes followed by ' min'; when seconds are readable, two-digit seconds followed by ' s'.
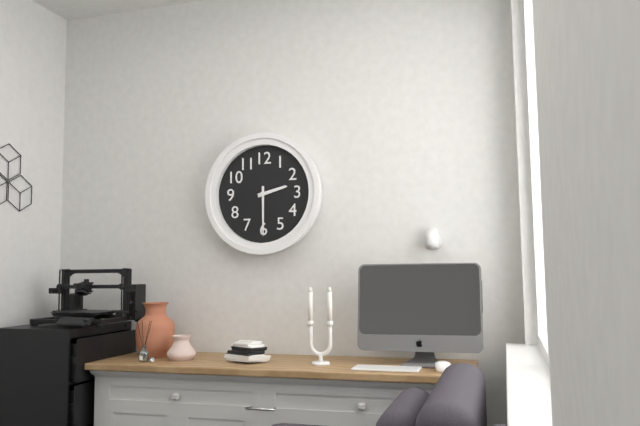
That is 2 h 30 min
